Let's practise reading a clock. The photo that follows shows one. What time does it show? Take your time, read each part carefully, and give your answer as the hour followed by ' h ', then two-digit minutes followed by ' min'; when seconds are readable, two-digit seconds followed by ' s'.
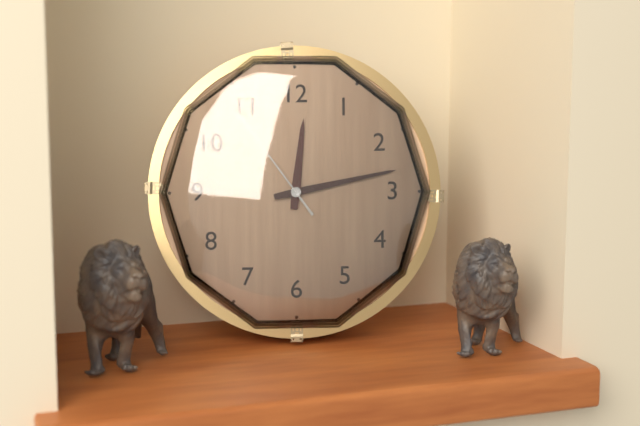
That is 12 h 13 min 54 s
